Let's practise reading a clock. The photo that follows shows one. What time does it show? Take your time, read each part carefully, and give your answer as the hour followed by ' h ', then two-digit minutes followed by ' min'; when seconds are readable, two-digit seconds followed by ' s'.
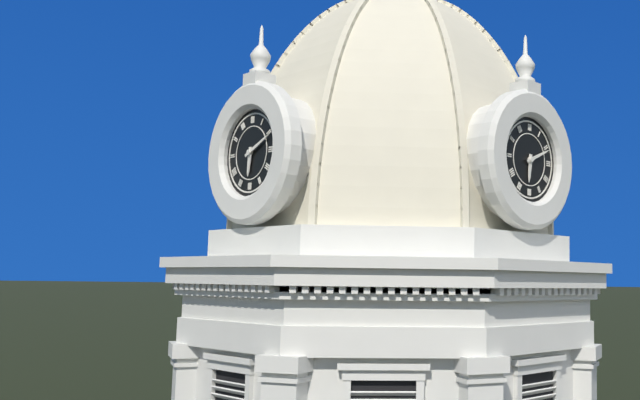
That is 6 h 11 min
